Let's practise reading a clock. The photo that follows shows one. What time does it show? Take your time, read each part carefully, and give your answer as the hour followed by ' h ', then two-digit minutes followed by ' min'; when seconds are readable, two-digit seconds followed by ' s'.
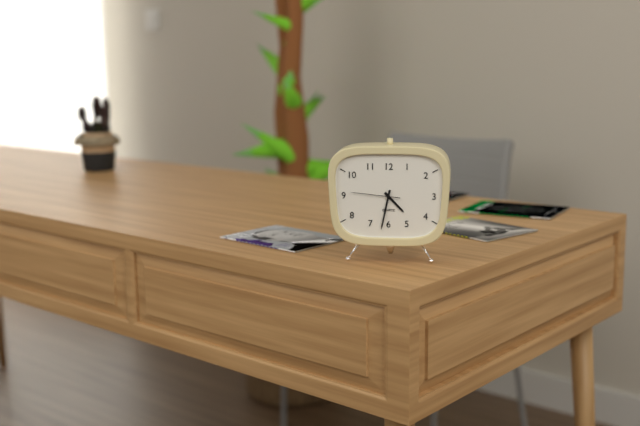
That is 4 h 32 min
